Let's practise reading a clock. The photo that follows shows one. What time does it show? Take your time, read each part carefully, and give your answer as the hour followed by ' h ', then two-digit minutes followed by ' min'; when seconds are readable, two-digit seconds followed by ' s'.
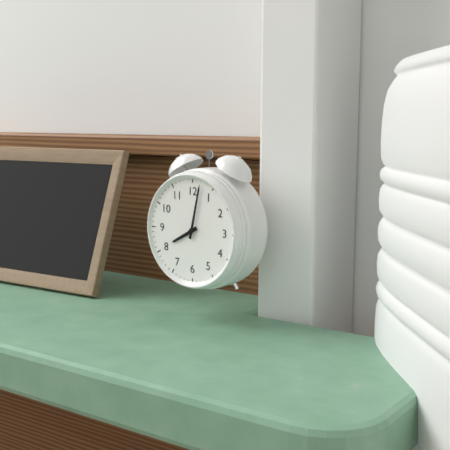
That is 8 h 02 min
